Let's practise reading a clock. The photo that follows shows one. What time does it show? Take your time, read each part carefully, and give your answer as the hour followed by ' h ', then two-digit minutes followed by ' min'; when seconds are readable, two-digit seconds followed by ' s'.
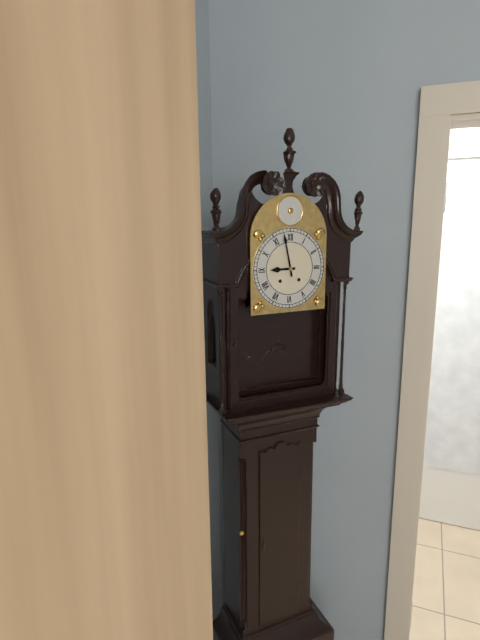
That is 8 h 58 min
